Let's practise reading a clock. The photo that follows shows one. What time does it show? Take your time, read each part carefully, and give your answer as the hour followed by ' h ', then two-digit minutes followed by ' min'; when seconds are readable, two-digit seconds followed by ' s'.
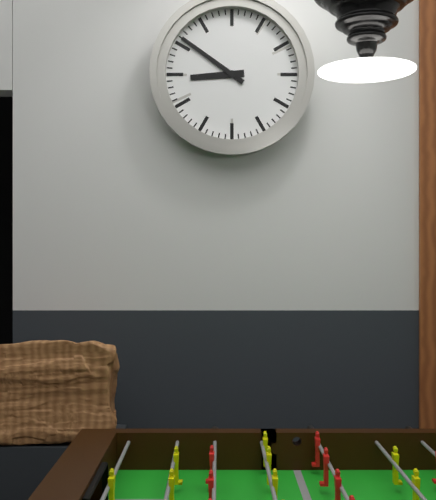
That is 8 h 51 min
